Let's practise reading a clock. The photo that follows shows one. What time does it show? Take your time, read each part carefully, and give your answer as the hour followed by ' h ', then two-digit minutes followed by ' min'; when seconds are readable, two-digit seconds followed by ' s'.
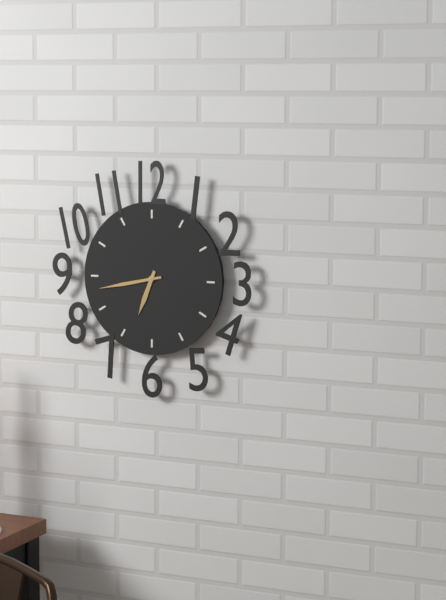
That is 6 h 43 min
